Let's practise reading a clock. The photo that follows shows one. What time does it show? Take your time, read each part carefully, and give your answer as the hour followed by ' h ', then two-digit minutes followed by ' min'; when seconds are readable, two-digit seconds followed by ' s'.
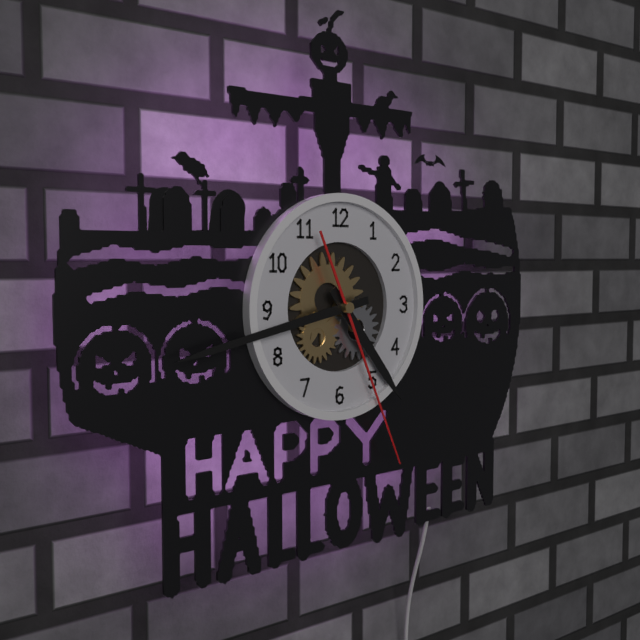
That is 4 h 43 min 26 s
